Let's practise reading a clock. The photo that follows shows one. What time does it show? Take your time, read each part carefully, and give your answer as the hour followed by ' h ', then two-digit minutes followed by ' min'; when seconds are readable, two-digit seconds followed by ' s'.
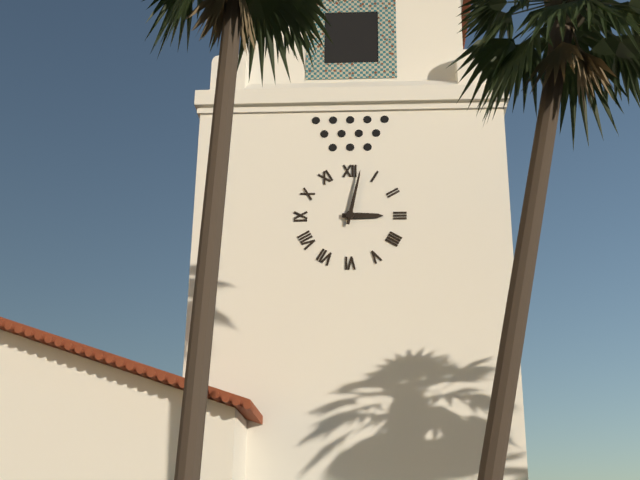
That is 3 h 02 min
